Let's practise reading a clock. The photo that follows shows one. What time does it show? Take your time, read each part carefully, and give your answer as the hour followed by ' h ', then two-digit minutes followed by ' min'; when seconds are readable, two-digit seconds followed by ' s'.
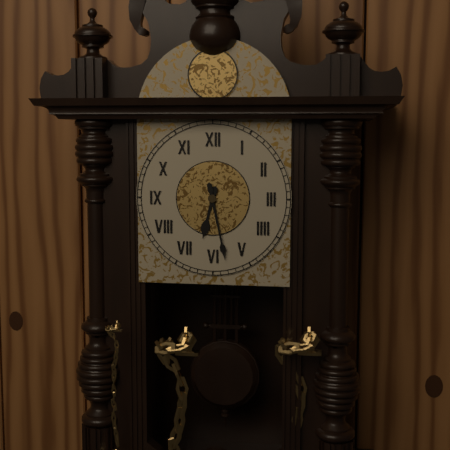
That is 6 h 28 min
